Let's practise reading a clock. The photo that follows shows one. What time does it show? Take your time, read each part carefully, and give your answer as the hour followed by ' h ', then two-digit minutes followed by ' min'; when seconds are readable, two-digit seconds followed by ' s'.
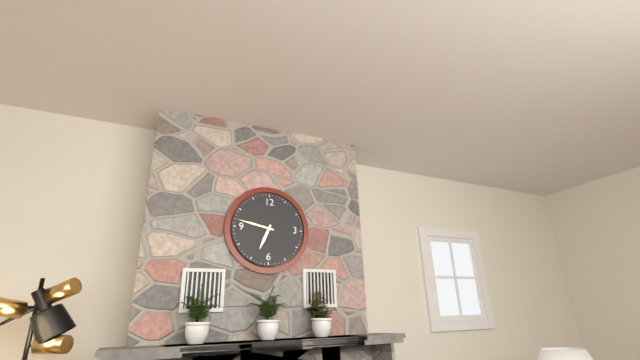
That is 6 h 47 min
